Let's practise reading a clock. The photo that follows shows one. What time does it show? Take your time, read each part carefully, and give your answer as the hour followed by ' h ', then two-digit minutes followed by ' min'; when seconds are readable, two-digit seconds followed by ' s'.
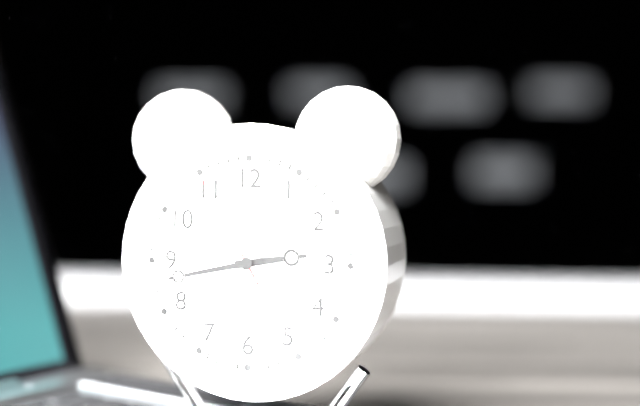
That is 2 h 43 min 55 s
